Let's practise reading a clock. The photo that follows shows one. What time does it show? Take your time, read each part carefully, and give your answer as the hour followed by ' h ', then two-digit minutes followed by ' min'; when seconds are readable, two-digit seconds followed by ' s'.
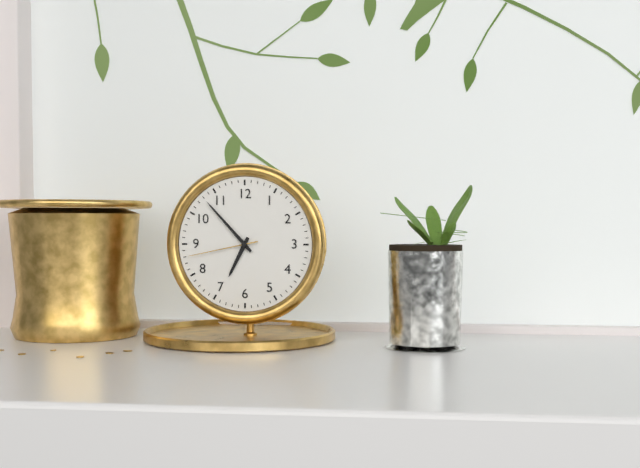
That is 6 h 53 min 43 s
